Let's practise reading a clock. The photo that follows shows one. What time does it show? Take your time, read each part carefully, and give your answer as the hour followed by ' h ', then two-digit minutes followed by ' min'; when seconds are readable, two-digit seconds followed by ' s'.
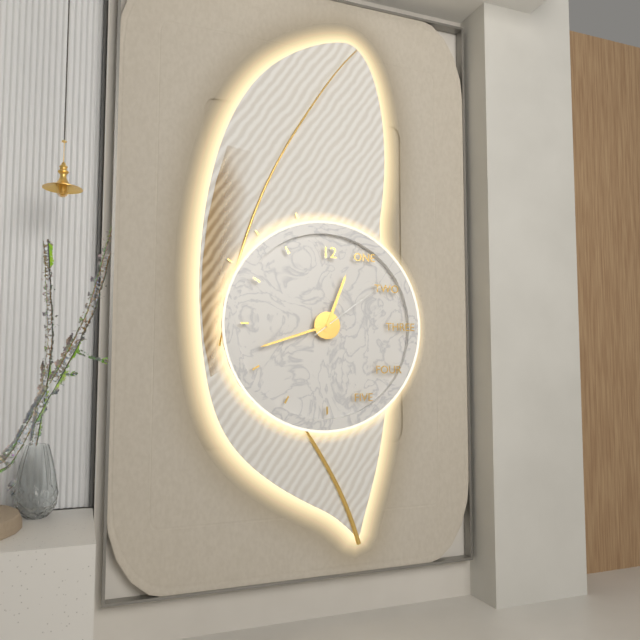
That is 12 h 42 min 09 s
